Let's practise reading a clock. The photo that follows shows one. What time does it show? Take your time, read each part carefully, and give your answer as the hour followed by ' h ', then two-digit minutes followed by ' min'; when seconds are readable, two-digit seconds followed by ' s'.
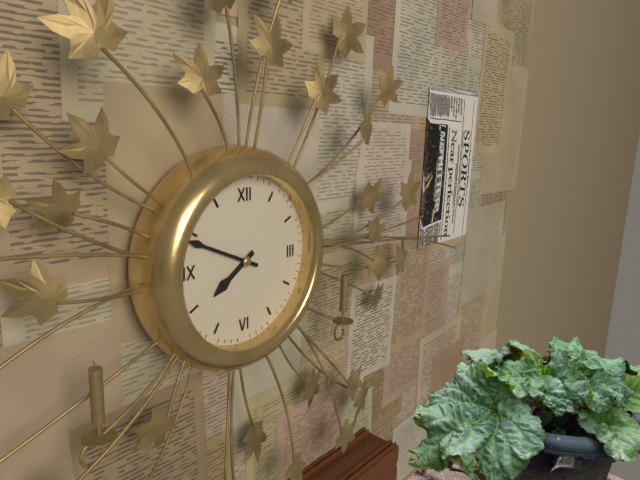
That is 7 h 49 min
